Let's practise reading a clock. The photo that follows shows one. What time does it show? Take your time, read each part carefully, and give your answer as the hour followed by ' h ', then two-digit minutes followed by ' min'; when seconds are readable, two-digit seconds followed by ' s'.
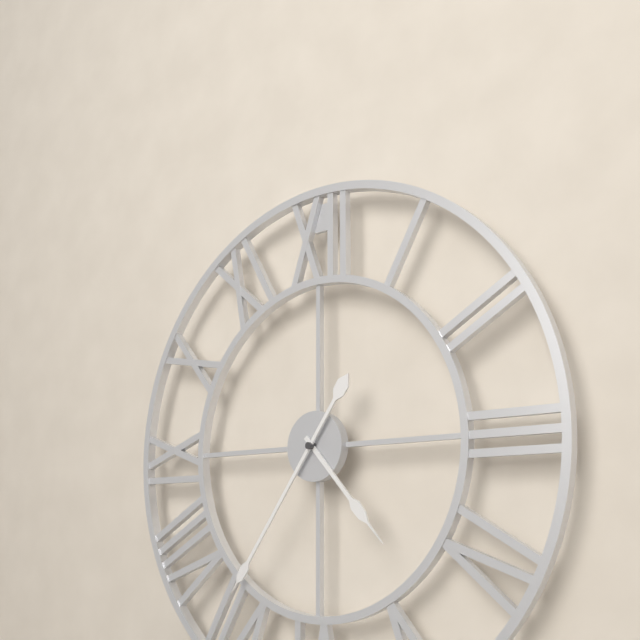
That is 4 h 36 min
